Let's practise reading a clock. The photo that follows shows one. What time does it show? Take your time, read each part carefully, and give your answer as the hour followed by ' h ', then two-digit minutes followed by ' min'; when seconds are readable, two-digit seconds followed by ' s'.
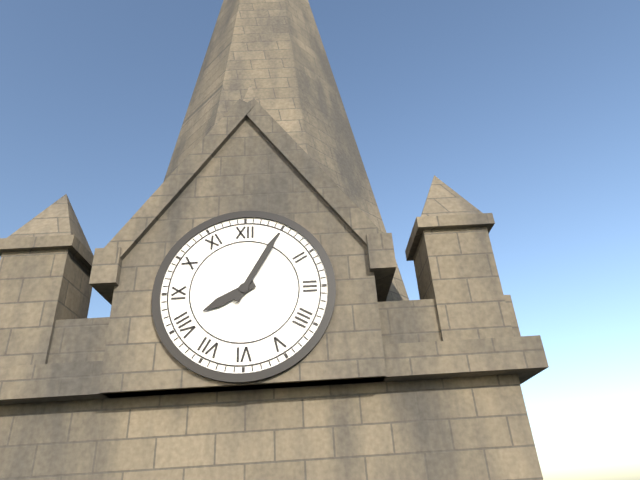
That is 8 h 05 min
